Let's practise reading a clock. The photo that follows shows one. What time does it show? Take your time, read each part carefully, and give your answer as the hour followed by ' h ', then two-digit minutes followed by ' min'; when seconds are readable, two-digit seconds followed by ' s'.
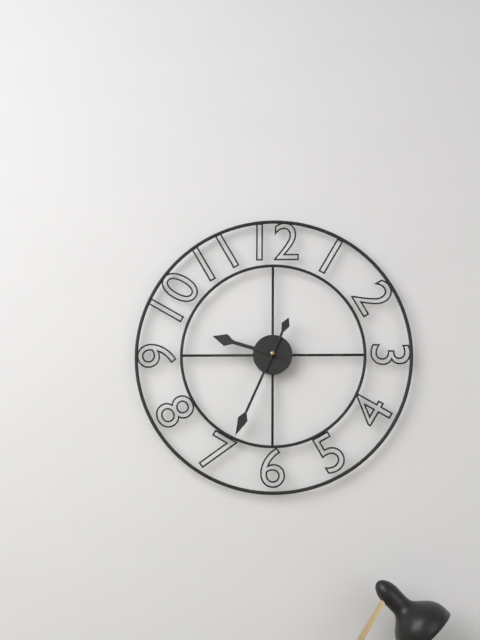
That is 9 h 34 min
